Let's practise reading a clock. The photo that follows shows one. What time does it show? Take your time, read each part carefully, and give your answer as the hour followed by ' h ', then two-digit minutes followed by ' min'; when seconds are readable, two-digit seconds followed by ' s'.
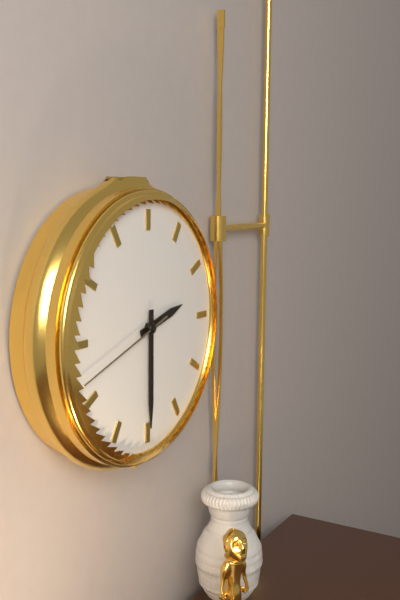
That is 2 h 30 min 42 s
